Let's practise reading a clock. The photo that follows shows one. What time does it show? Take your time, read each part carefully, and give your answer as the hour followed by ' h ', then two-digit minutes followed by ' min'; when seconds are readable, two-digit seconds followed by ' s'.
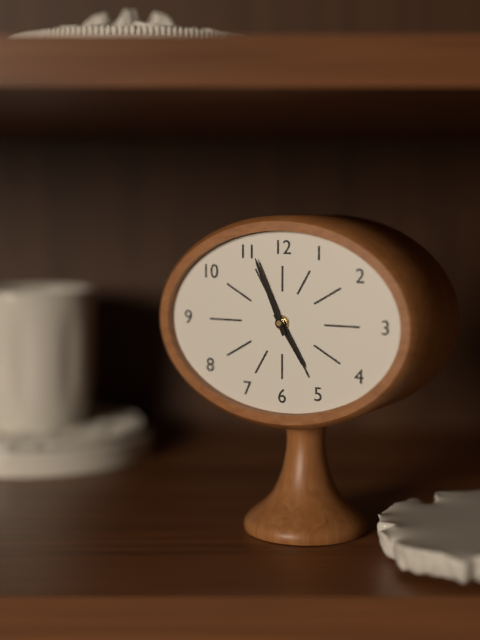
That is 4 h 56 min
